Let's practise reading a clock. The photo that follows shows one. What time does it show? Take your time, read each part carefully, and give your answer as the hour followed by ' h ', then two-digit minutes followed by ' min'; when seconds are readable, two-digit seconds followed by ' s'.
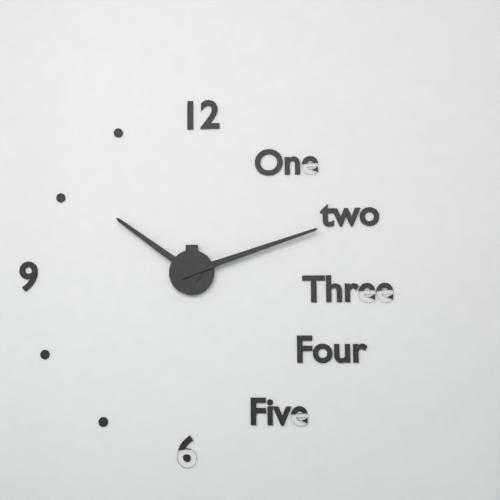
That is 10 h 12 min
